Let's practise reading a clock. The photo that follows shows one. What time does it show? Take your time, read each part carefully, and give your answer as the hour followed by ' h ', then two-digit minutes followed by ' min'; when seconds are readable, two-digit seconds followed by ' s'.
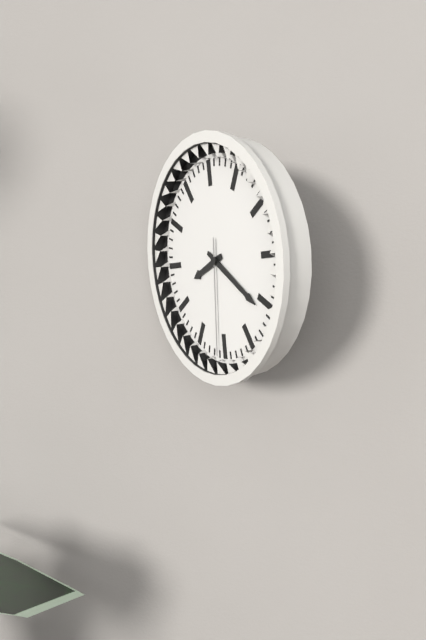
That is 8 h 21 min 31 s
